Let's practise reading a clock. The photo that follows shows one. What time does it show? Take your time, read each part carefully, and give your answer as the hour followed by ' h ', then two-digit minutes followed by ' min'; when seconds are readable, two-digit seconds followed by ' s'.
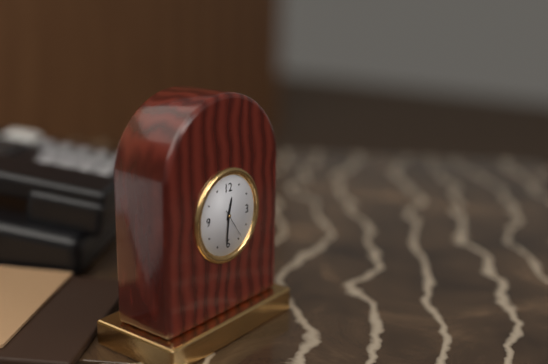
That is 12 h 31 min
